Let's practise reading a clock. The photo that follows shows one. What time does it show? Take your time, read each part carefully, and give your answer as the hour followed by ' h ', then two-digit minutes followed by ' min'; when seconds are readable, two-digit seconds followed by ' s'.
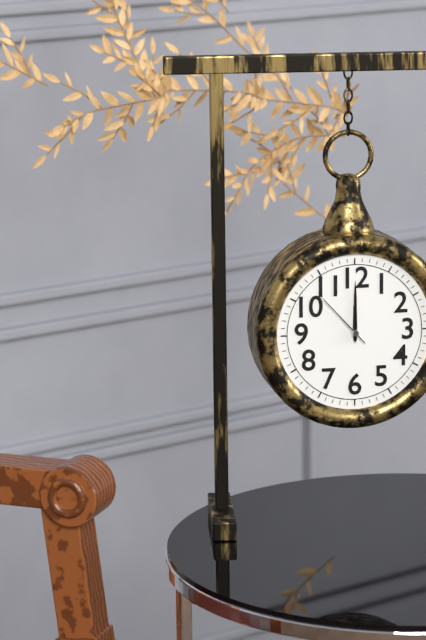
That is 12 h 00 min 53 s
